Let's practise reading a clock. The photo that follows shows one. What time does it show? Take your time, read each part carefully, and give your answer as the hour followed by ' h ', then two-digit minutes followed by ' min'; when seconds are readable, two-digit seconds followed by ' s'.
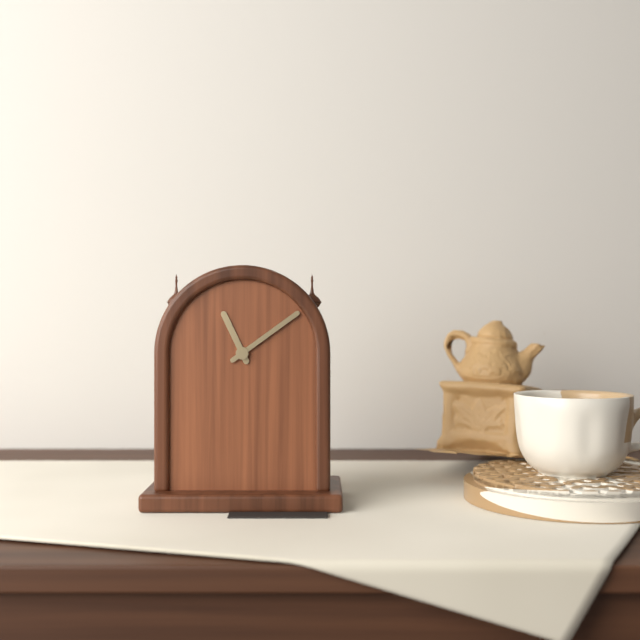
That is 11 h 09 min
